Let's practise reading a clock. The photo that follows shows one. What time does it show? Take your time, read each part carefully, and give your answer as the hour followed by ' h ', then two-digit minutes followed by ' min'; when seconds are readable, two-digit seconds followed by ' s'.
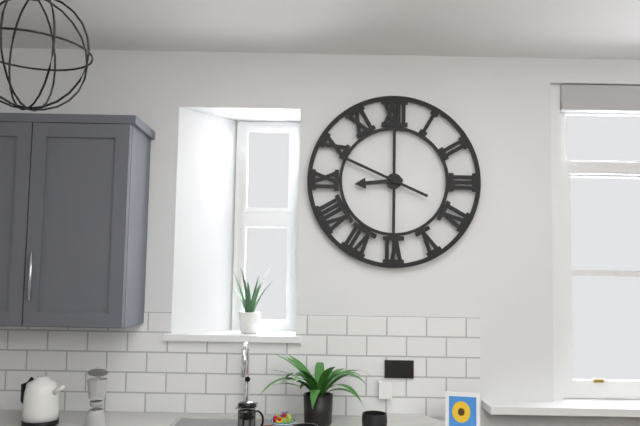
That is 8 h 49 min
